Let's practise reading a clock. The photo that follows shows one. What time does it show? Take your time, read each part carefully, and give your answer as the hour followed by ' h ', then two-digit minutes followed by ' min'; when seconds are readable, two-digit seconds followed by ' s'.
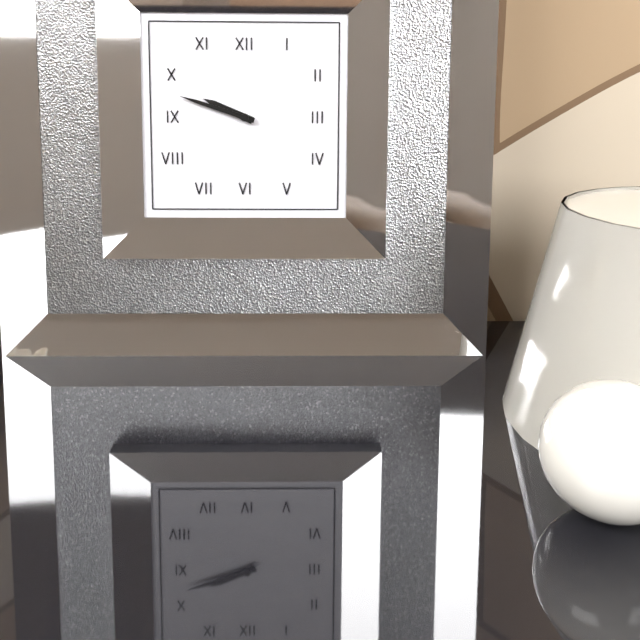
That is 9 h 48 min
